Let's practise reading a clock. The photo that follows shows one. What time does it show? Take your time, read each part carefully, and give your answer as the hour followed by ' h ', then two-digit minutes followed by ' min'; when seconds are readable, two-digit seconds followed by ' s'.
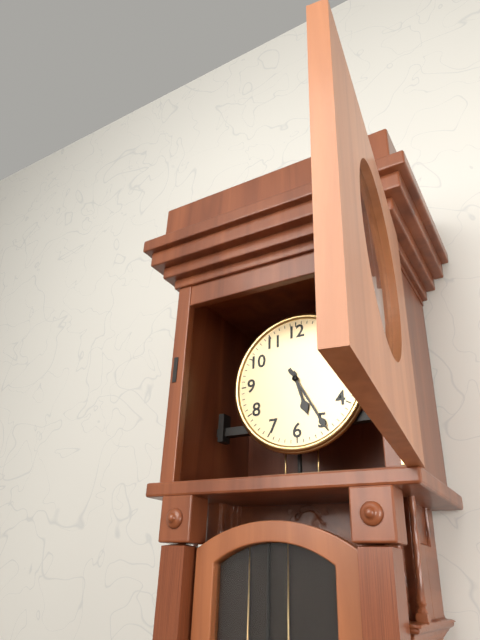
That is 5 h 25 min
